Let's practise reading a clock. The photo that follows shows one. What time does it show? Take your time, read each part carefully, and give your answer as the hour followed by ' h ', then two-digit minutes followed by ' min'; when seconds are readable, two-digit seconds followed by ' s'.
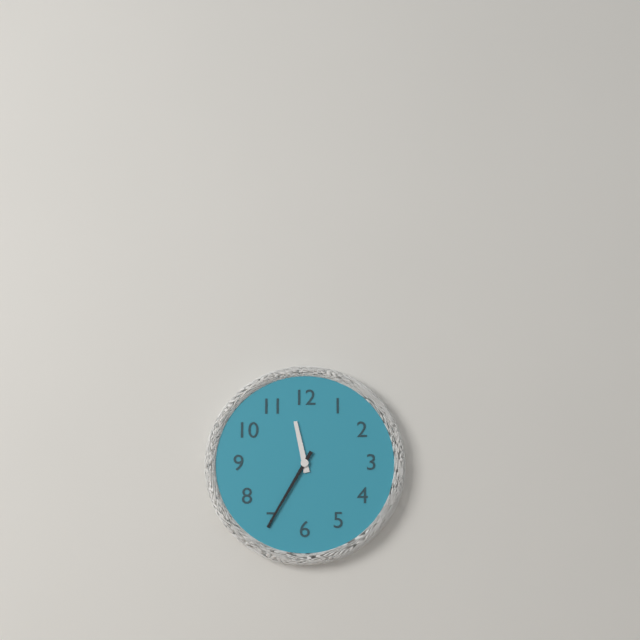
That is 11 h 35 min
